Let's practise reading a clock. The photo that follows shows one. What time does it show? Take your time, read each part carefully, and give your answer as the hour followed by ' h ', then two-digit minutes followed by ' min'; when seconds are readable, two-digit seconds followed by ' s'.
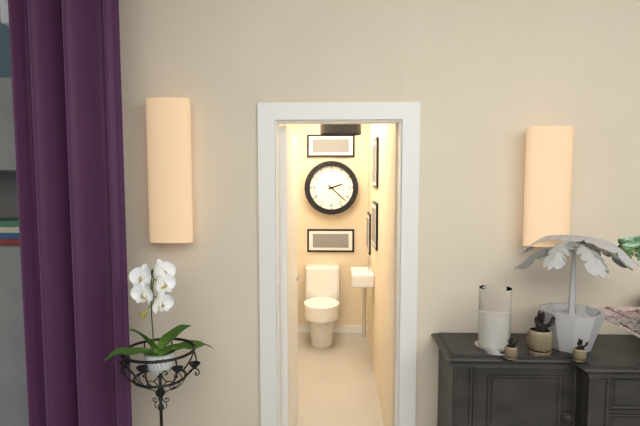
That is 2 h 22 min
